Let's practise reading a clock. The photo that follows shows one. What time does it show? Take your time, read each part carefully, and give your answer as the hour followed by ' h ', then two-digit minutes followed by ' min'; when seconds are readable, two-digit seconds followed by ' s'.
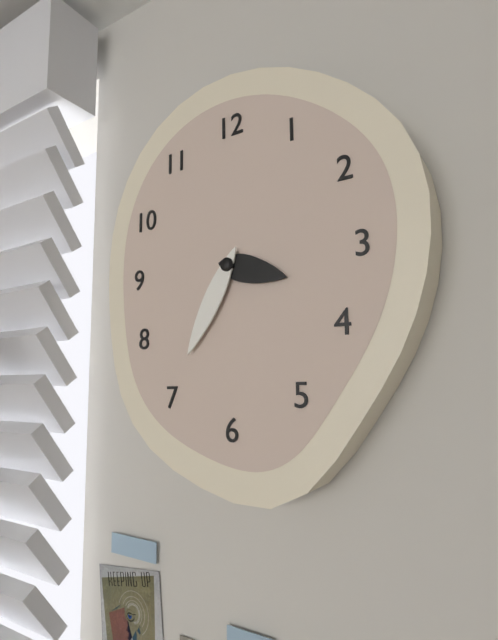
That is 3 h 35 min
